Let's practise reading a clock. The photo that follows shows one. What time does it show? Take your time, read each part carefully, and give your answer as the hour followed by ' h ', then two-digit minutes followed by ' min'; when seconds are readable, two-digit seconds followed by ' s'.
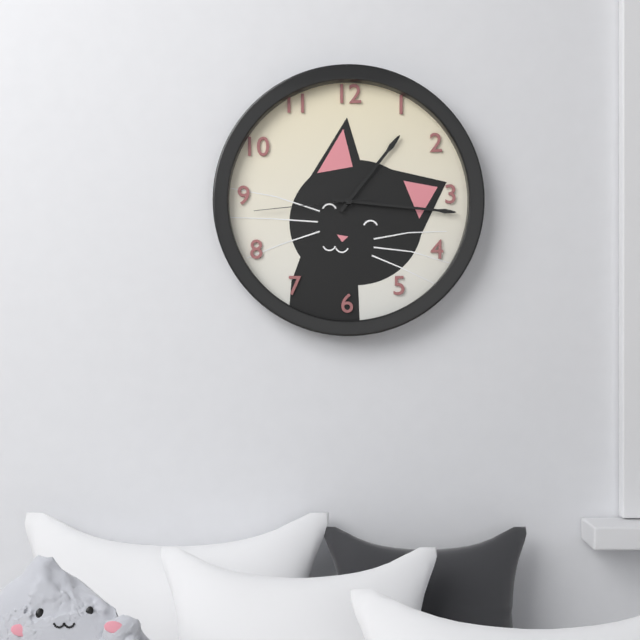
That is 1 h 16 min 44 s
